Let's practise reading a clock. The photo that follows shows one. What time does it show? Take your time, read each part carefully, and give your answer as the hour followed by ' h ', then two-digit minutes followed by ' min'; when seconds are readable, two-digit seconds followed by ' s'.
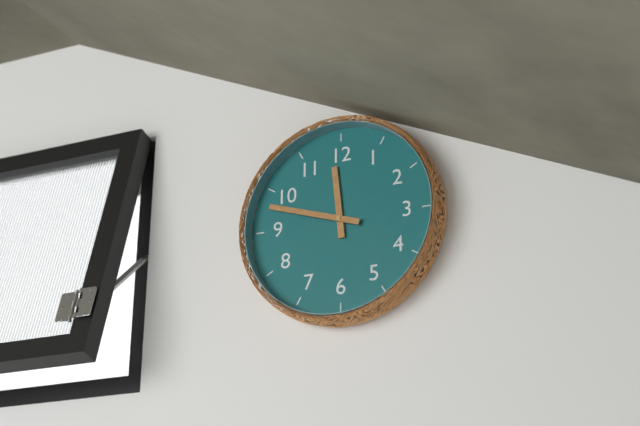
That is 11 h 48 min
